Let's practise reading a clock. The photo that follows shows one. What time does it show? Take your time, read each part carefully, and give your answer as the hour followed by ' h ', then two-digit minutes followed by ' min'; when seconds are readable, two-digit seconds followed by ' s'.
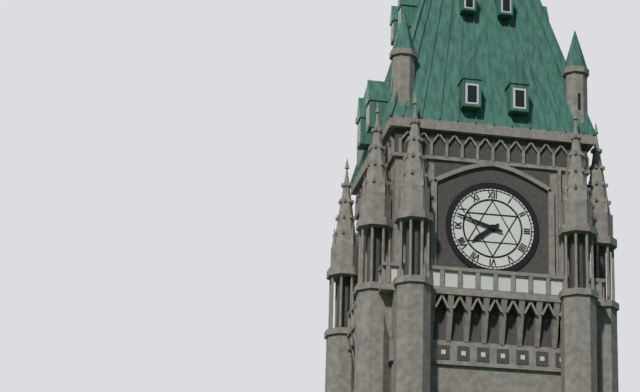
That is 7 h 48 min
